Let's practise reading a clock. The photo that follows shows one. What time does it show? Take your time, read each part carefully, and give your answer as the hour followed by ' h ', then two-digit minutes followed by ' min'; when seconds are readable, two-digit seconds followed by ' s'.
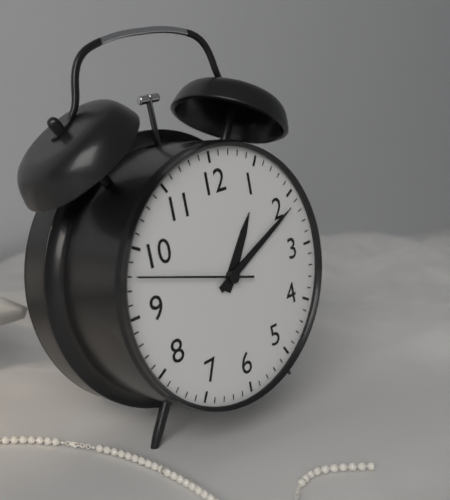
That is 1 h 11 min 48 s
